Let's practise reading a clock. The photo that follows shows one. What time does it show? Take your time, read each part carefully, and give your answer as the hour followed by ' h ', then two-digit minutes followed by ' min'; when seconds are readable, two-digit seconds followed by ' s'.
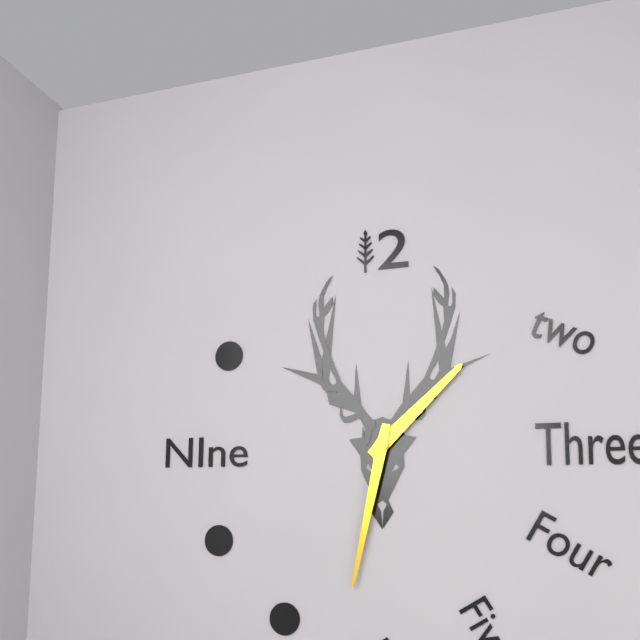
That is 1 h 32 min
